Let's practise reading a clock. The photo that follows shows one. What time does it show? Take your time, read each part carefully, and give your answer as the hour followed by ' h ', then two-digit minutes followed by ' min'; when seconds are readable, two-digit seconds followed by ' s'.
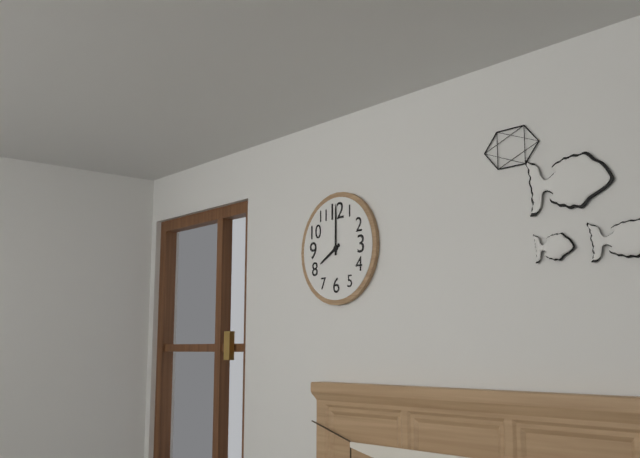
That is 8 h 00 min
